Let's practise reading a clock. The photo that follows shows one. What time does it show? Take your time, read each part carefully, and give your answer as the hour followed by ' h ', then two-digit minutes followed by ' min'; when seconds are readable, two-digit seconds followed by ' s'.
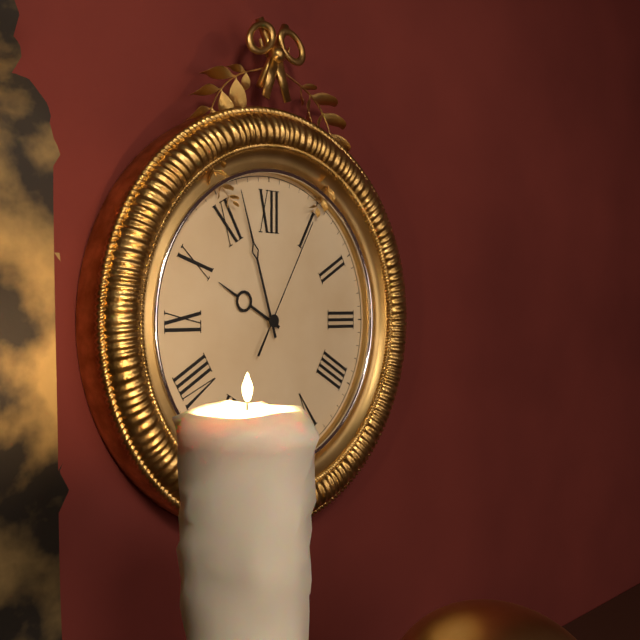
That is 9 h 57 min 05 s
